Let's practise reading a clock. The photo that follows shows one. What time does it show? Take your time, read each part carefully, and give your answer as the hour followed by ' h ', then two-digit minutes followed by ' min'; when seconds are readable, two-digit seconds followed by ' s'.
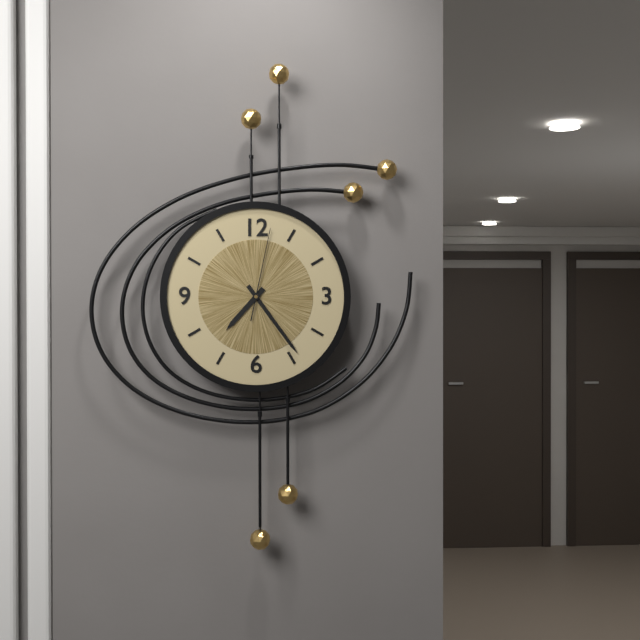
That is 7 h 24 min 02 s
